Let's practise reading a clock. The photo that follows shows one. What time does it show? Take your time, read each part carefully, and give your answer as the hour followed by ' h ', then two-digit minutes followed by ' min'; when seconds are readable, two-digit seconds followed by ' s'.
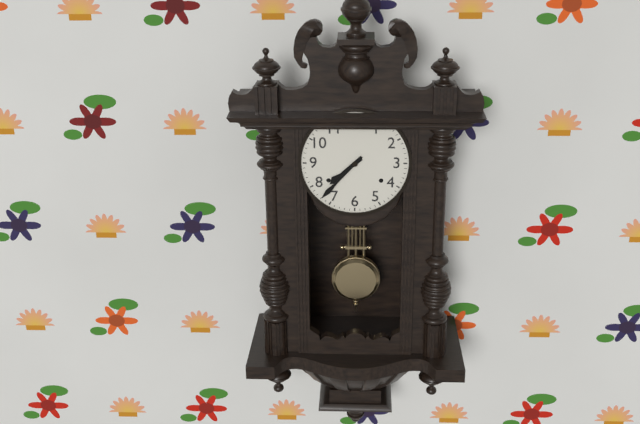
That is 7 h 37 min
